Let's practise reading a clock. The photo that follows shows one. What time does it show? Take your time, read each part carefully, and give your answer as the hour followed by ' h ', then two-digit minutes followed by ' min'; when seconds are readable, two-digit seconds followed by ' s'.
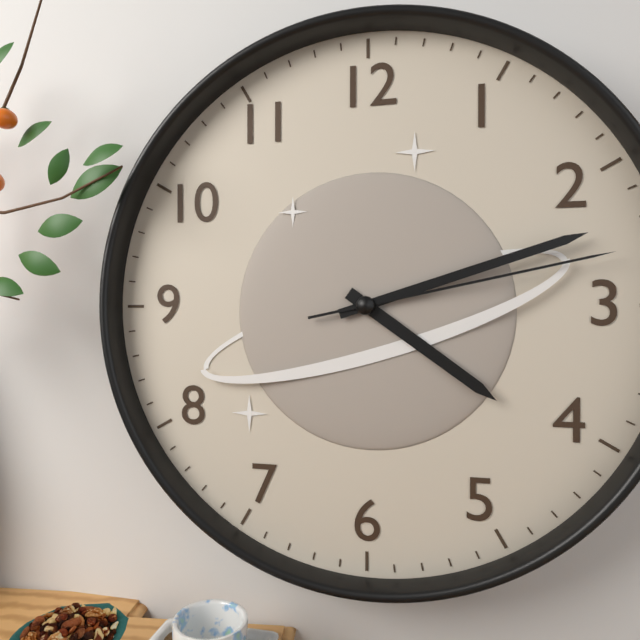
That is 4 h 12 min 13 s
